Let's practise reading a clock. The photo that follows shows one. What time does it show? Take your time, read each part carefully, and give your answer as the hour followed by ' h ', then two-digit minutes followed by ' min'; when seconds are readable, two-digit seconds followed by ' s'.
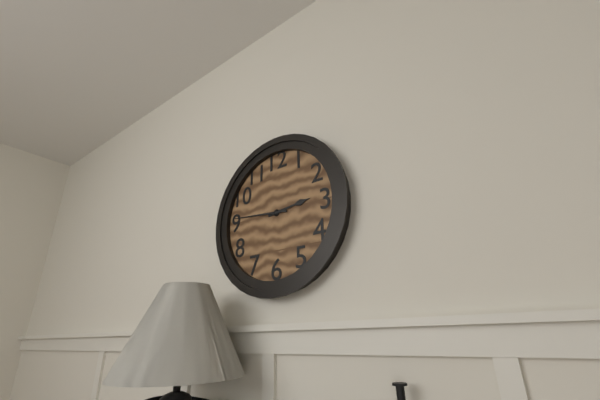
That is 2 h 46 min
